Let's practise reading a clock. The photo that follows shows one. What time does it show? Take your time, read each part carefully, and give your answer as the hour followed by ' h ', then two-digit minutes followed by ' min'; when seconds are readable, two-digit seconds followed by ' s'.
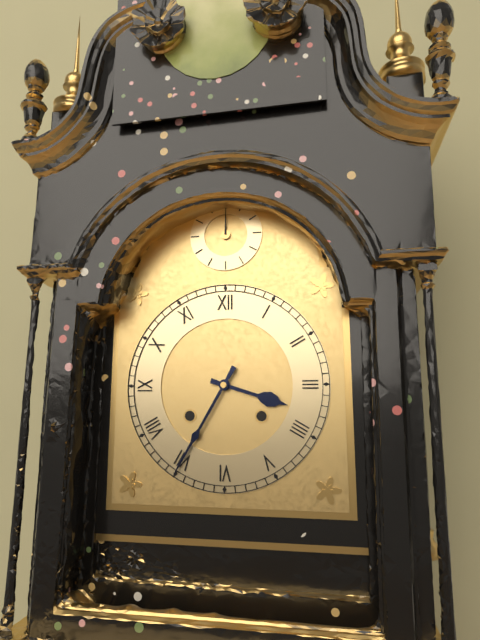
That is 3 h 35 min
